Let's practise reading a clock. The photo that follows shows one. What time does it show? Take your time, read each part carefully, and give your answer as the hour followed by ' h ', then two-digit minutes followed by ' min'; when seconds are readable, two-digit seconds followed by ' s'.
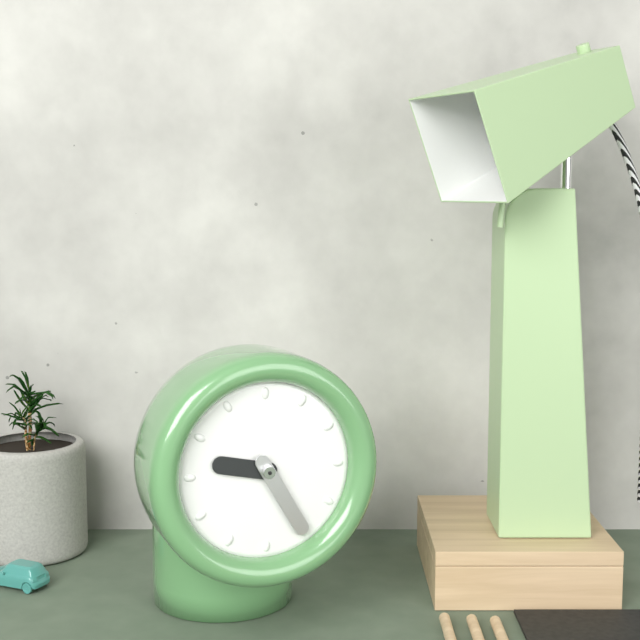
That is 9 h 25 min
